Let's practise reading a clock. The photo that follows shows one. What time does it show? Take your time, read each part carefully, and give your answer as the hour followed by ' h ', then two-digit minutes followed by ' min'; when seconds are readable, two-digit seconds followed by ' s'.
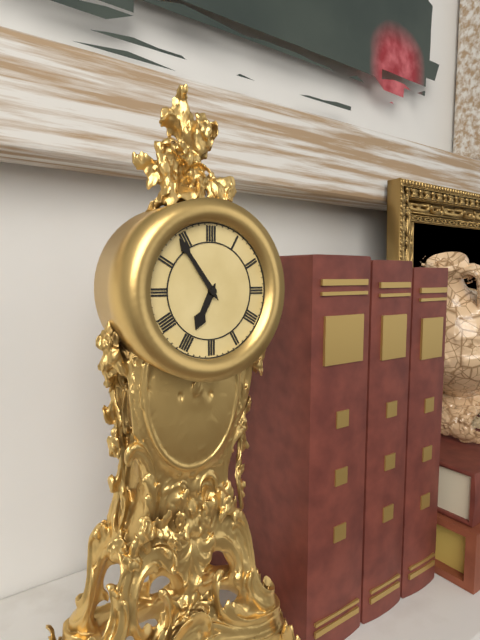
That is 6 h 54 min
